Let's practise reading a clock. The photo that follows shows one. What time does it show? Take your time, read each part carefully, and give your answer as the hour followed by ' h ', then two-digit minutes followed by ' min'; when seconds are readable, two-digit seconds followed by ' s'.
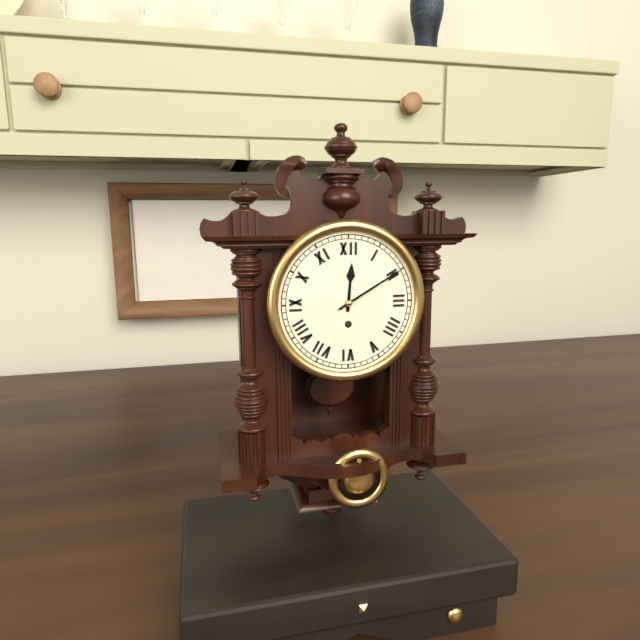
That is 12 h 10 min
